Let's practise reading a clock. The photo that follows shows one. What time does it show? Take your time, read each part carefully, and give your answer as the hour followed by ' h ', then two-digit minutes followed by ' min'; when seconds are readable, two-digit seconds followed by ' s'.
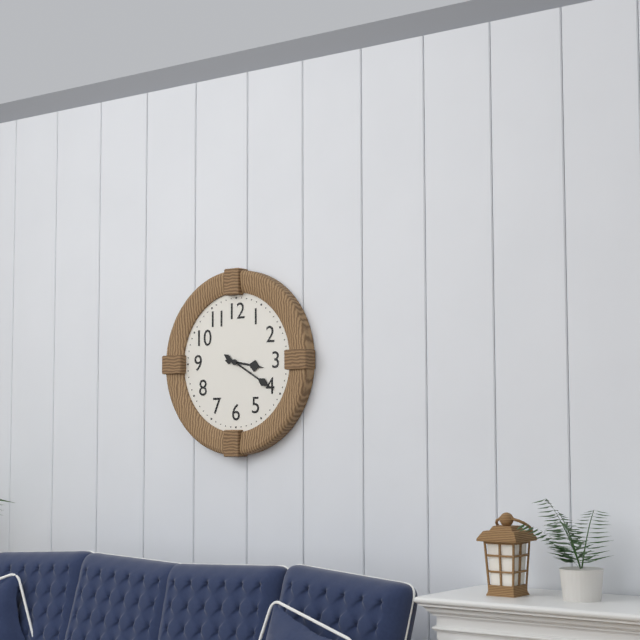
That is 3 h 20 min
